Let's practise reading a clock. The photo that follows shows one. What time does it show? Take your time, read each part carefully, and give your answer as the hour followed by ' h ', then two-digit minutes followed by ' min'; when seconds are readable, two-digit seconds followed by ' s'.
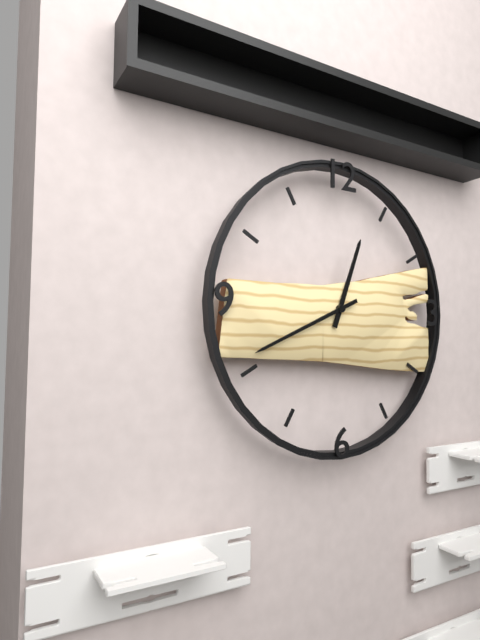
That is 12 h 41 min
